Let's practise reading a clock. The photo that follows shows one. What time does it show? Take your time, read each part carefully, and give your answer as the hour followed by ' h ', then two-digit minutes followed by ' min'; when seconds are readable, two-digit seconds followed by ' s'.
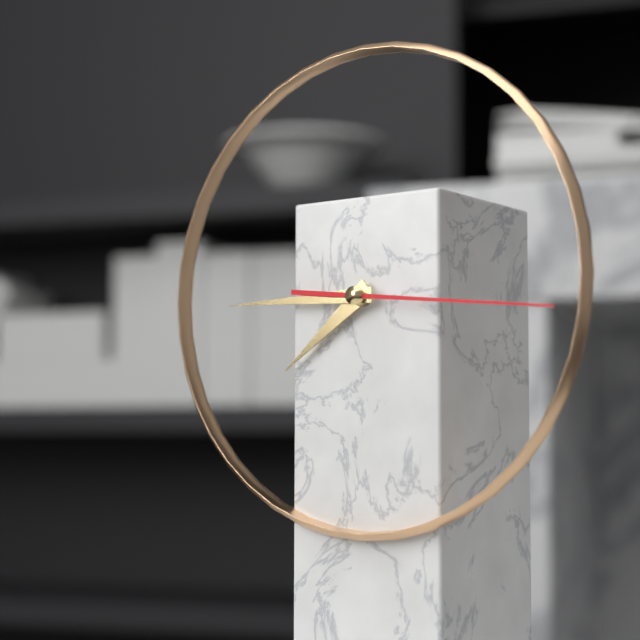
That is 7 h 45 min 16 s
